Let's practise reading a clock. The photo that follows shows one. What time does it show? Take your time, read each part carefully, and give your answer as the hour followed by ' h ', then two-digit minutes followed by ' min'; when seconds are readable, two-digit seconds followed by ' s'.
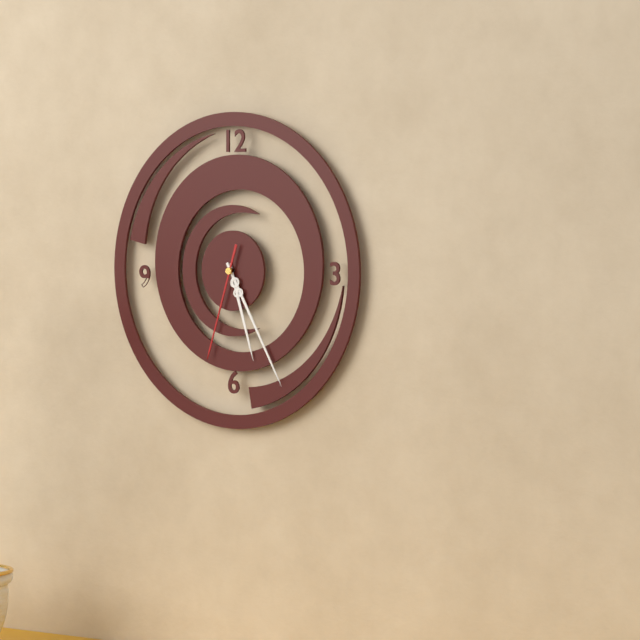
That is 5 h 25 min 33 s
